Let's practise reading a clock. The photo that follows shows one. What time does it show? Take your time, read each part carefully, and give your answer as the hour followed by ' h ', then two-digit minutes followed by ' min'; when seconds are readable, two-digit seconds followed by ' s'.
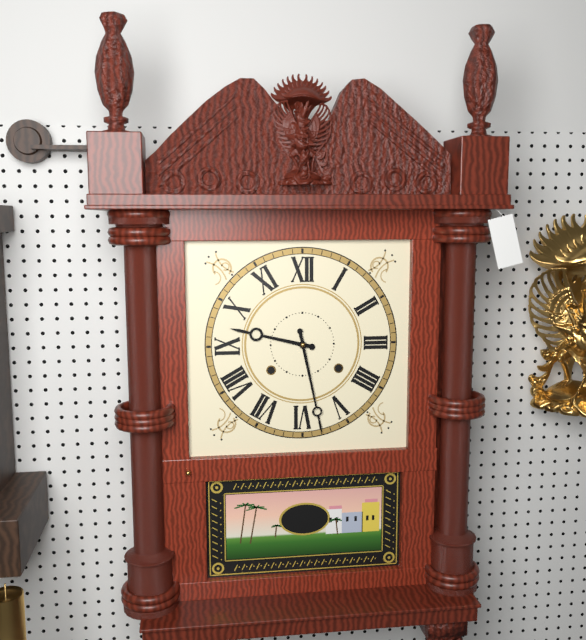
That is 9 h 28 min
